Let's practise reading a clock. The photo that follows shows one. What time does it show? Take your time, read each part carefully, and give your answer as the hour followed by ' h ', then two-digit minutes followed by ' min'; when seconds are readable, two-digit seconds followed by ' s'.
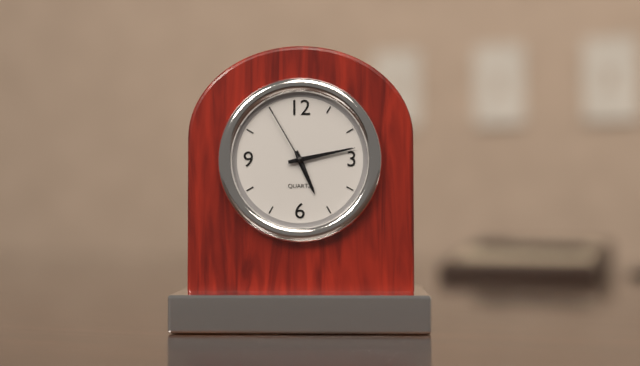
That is 5 h 13 min 55 s
